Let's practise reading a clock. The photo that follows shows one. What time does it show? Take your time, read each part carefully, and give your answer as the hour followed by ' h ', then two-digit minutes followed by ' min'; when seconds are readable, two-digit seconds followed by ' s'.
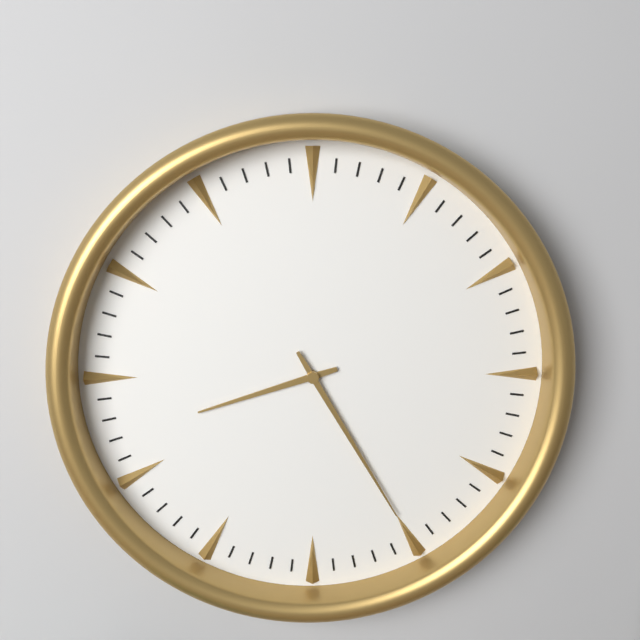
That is 8 h 25 min
